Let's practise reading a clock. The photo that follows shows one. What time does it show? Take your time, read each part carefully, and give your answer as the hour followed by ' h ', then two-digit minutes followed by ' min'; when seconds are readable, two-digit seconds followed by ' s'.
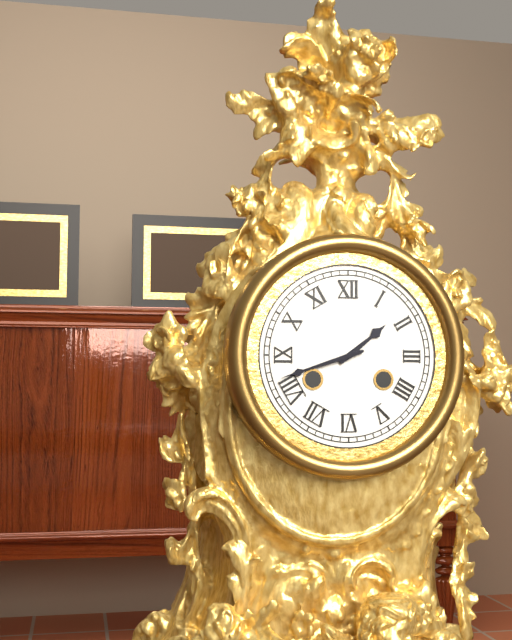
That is 1 h 42 min
